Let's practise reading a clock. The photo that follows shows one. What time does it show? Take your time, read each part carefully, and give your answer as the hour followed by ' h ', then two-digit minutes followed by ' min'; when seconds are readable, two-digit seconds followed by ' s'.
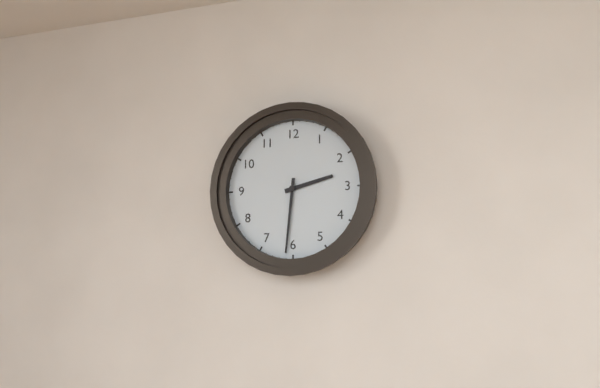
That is 2 h 31 min
